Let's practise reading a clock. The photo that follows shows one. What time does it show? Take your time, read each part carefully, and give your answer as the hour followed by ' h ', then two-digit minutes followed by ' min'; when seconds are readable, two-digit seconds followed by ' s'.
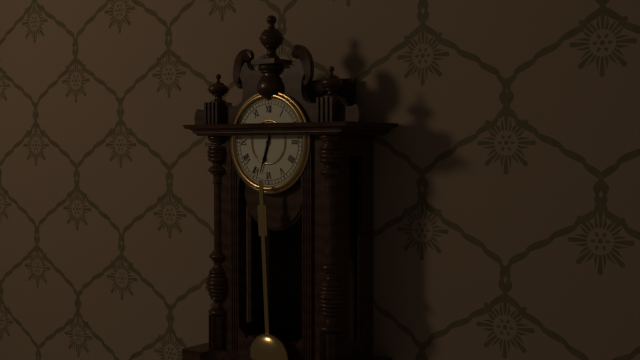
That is 6 h 33 min
